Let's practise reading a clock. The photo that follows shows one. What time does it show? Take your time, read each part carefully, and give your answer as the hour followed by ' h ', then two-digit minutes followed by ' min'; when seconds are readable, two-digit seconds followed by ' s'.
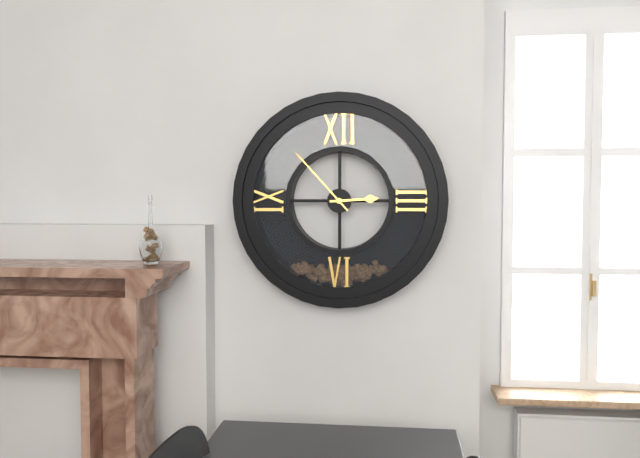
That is 2 h 53 min
